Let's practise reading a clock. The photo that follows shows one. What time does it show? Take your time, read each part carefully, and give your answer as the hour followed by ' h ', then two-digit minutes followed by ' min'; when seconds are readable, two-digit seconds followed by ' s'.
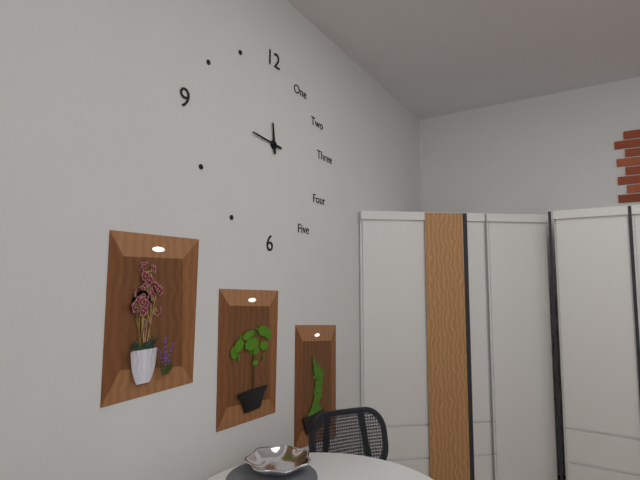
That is 11 h 46 min
